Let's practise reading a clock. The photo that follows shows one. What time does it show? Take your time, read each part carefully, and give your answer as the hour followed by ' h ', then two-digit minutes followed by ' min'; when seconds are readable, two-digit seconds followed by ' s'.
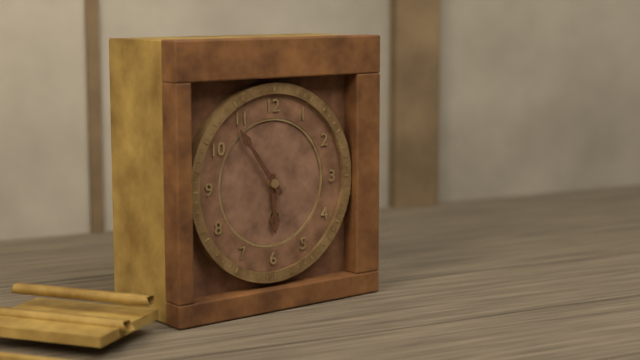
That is 5 h 54 min
